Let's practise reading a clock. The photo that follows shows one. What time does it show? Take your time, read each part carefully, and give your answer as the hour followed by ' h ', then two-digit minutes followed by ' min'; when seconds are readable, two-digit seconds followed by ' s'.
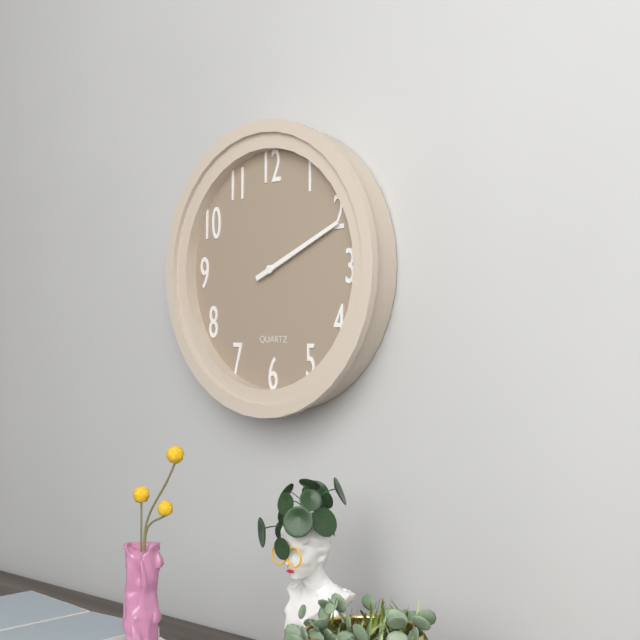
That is 2 h 11 min
